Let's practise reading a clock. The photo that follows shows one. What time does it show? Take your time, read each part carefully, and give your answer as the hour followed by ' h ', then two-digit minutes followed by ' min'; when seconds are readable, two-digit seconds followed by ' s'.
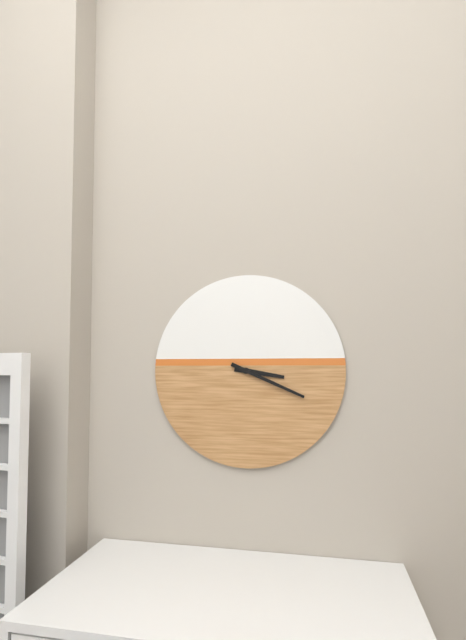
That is 3 h 19 min
